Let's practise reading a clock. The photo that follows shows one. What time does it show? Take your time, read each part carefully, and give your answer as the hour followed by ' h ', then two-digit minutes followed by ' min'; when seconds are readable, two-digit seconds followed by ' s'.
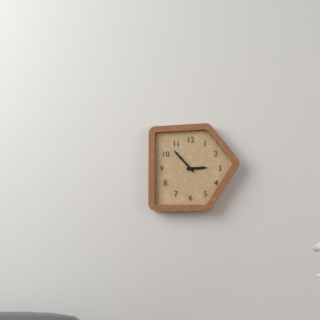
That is 2 h 53 min
